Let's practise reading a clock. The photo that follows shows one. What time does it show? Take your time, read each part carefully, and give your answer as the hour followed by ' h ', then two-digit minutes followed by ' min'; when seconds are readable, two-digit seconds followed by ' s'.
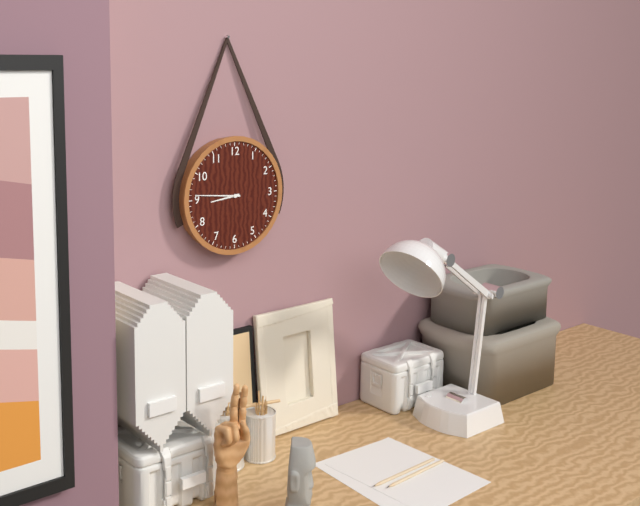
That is 8 h 46 min
